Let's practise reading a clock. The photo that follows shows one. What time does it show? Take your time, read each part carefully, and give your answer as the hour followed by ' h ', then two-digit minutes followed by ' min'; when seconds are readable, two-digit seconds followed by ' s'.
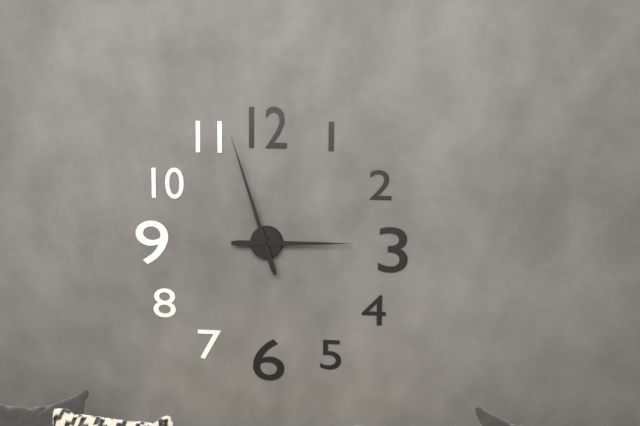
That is 2 h 57 min
